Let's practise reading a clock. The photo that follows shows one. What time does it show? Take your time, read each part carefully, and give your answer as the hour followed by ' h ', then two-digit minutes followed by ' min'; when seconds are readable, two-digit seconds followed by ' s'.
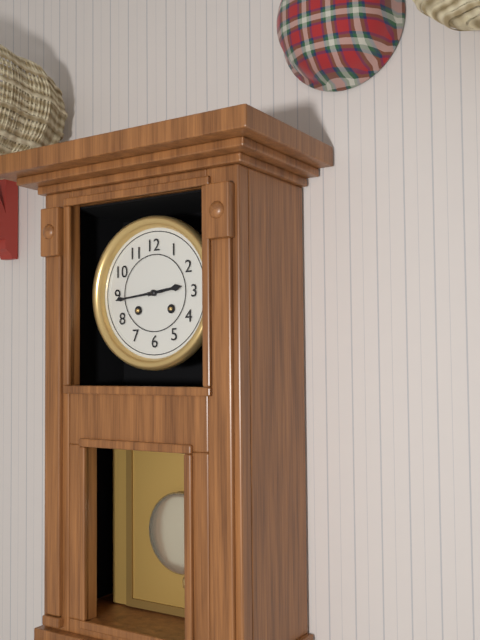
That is 2 h 44 min
